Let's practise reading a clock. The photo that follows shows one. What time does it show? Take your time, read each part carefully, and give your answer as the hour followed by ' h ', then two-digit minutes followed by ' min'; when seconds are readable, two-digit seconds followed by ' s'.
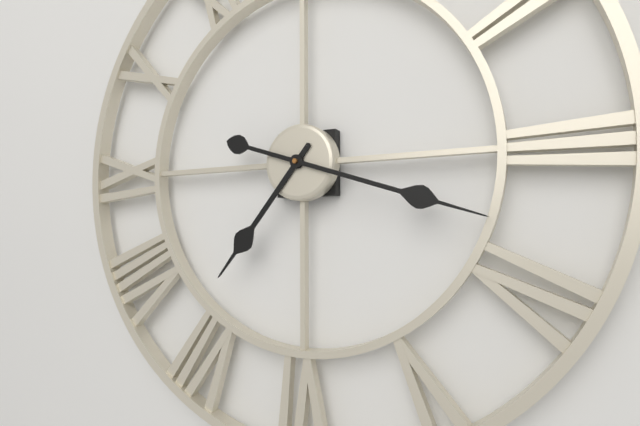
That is 7 h 18 min
